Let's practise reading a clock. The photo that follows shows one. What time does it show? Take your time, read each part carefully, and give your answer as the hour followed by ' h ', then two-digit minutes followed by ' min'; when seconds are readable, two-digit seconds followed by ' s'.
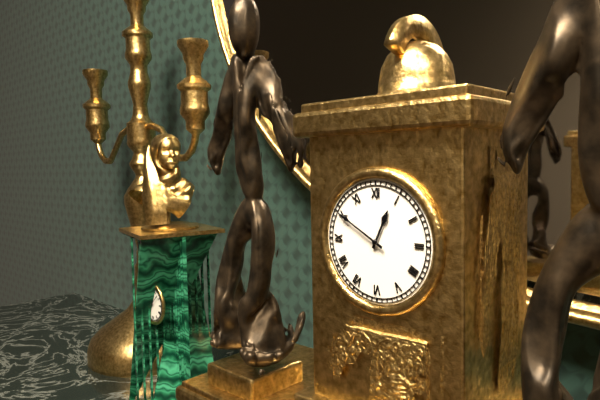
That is 12 h 50 min
